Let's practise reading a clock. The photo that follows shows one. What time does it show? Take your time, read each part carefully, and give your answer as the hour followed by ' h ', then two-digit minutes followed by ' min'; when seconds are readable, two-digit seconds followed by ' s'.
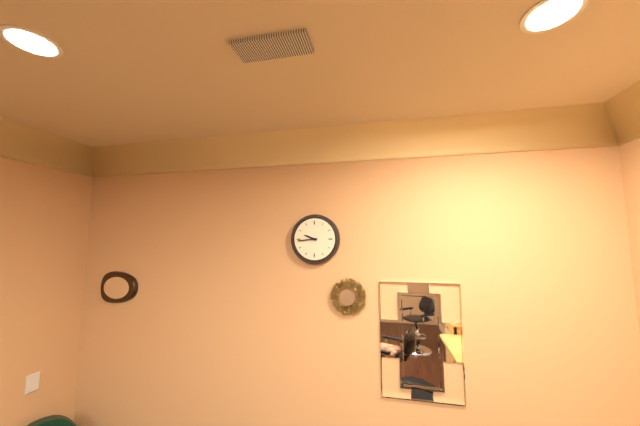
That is 9 h 44 min
